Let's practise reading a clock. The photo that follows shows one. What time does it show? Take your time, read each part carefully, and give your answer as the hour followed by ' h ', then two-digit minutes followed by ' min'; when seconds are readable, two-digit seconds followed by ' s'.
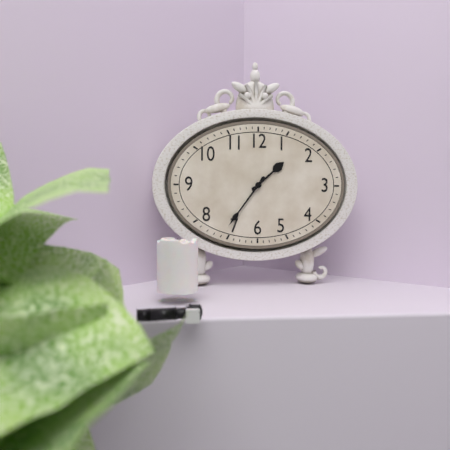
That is 1 h 36 min
